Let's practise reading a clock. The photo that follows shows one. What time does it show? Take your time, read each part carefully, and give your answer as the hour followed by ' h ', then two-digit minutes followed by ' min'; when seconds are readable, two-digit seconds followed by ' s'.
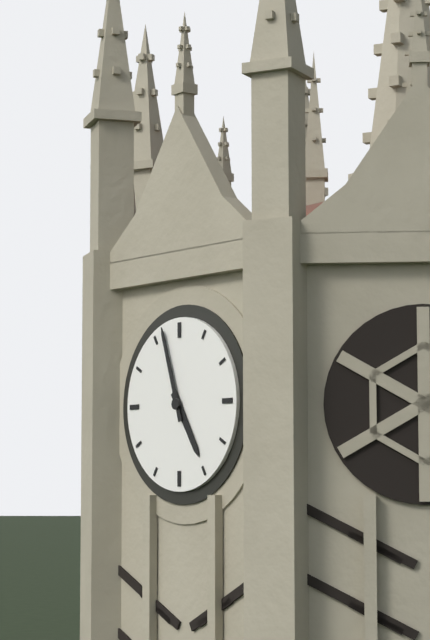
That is 4 h 57 min
